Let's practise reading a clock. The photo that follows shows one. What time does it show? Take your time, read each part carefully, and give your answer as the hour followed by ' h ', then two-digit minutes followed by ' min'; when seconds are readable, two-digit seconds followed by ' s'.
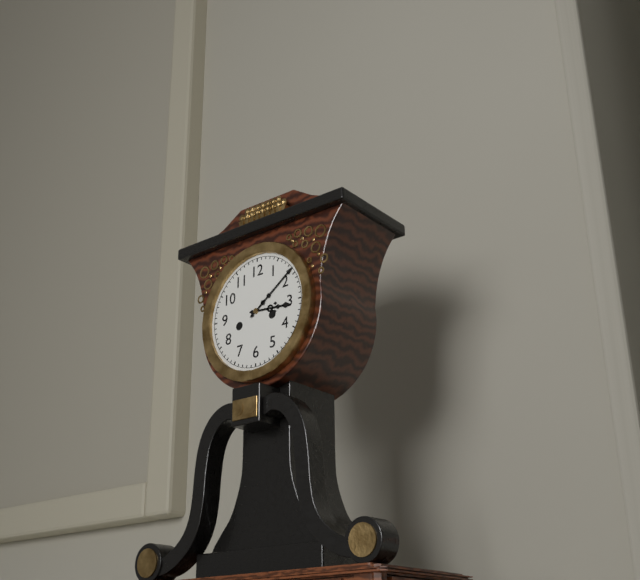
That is 3 h 09 min
